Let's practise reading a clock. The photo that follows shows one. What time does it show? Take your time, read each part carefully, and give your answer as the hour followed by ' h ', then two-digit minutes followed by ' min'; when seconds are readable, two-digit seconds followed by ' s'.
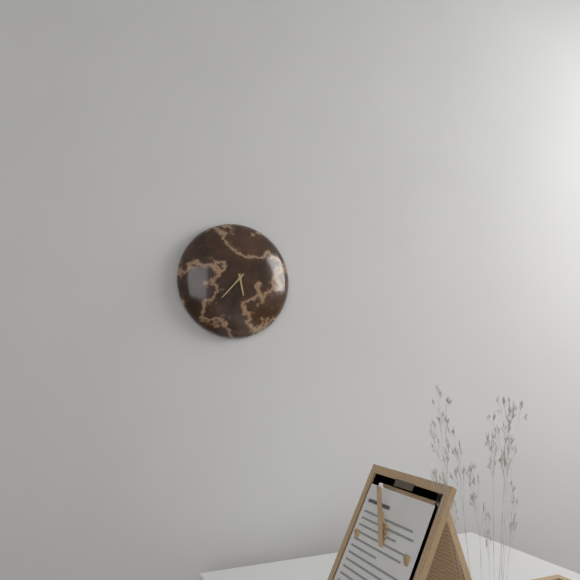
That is 5 h 37 min
